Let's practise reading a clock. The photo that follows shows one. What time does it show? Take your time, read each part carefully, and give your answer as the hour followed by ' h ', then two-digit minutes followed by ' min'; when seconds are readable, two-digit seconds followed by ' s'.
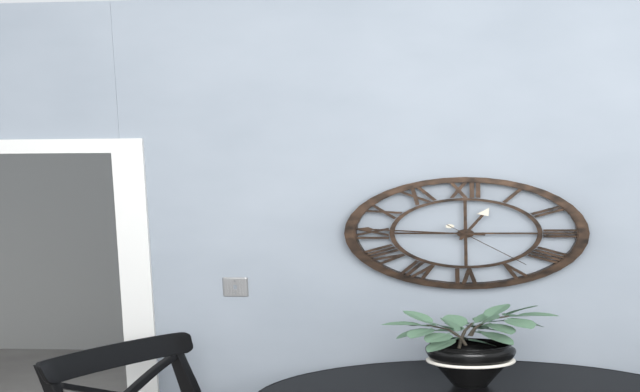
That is 12 h 46 min 23 s
